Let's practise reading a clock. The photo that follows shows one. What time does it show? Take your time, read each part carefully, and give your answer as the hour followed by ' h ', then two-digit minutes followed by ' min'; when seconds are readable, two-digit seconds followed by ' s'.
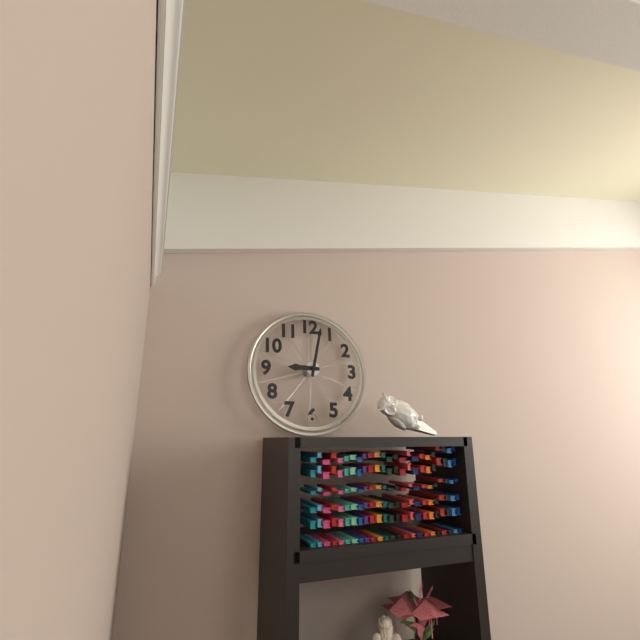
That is 9 h 02 min
